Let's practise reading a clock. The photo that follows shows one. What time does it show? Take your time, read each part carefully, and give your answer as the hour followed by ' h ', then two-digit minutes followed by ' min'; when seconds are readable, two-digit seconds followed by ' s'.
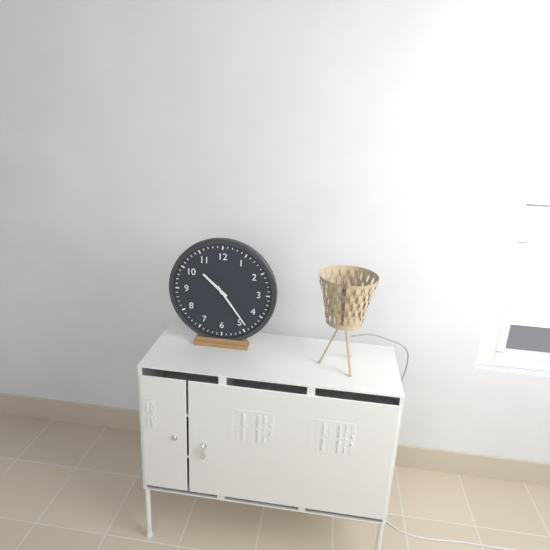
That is 10 h 24 min
